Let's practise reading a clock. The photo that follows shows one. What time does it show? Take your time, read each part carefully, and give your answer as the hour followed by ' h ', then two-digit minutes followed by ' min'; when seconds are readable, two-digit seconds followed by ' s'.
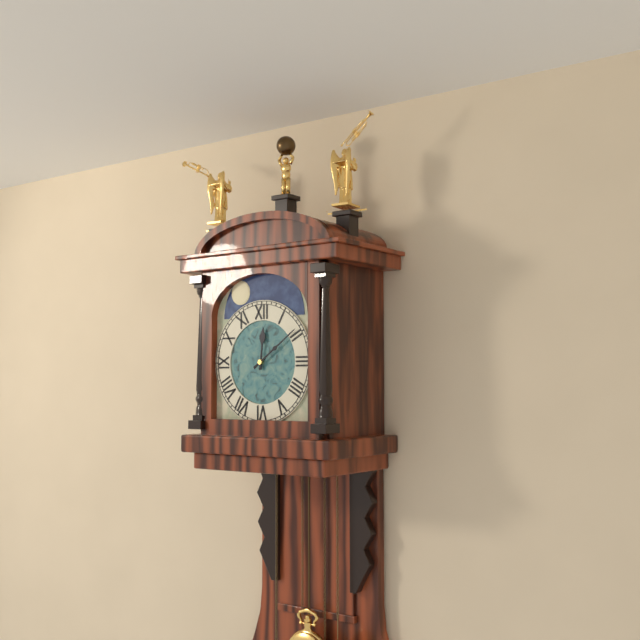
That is 12 h 09 min
